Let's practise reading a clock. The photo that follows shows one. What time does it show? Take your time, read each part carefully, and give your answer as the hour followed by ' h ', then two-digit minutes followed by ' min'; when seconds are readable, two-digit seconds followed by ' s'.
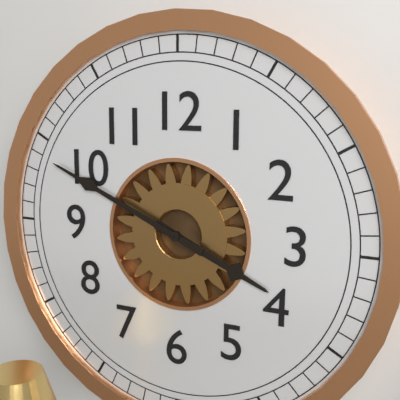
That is 3 h 49 min
